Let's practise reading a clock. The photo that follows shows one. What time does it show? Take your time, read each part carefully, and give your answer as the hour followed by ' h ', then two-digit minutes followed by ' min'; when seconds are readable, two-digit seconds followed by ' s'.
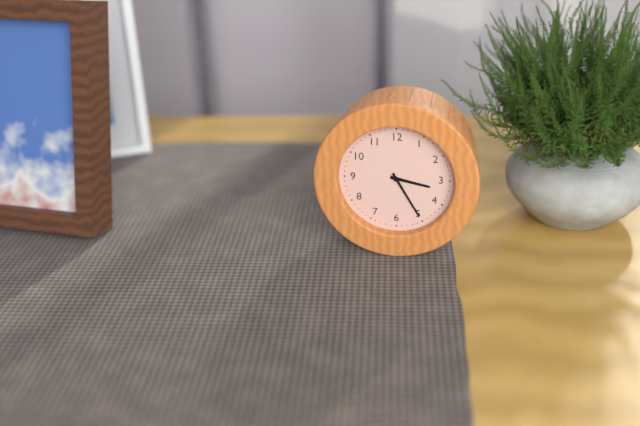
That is 3 h 25 min
